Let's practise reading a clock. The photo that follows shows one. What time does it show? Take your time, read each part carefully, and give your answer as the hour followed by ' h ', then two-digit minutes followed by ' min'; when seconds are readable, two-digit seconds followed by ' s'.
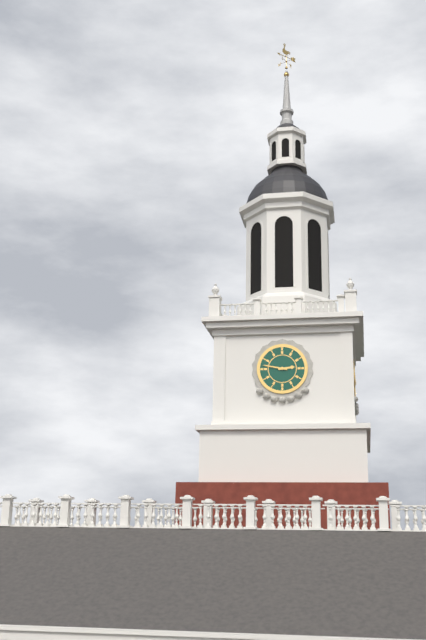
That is 2 h 47 min
